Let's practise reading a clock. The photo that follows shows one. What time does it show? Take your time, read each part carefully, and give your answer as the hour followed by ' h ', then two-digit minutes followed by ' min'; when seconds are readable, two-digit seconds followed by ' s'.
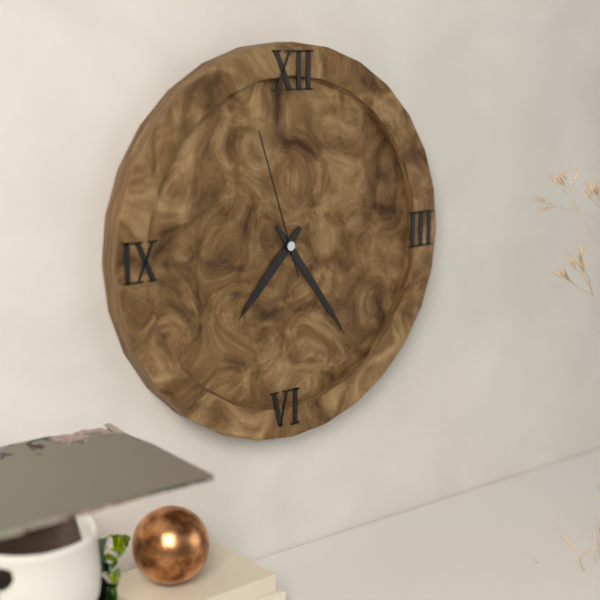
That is 7 h 24 min 57 s
